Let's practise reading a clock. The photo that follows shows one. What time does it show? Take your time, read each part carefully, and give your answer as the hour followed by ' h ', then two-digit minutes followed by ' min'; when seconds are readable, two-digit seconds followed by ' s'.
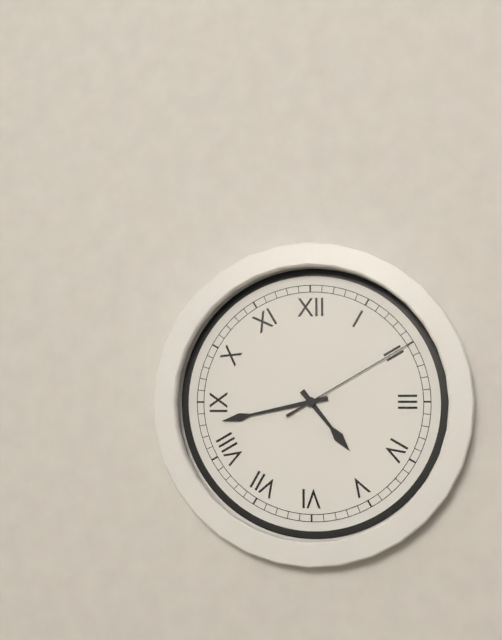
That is 4 h 43 min 10 s
